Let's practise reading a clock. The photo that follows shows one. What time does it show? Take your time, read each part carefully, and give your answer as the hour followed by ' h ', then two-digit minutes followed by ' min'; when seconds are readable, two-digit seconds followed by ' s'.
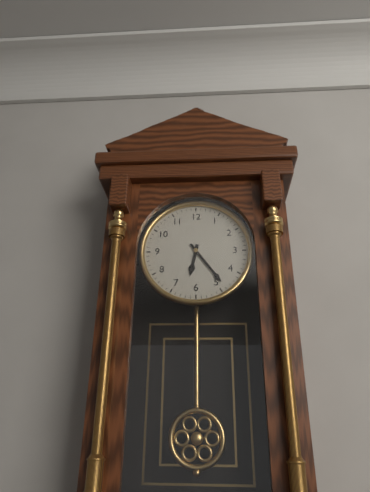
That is 6 h 24 min
